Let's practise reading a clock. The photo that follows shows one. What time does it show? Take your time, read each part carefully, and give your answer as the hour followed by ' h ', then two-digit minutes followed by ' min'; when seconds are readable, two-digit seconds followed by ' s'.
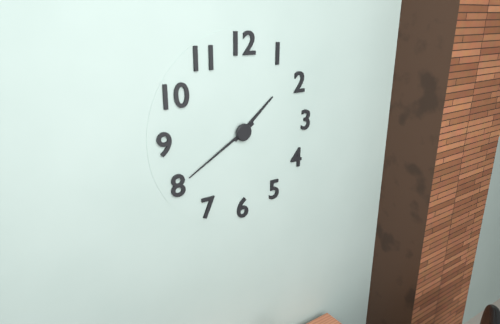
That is 1 h 40 min
